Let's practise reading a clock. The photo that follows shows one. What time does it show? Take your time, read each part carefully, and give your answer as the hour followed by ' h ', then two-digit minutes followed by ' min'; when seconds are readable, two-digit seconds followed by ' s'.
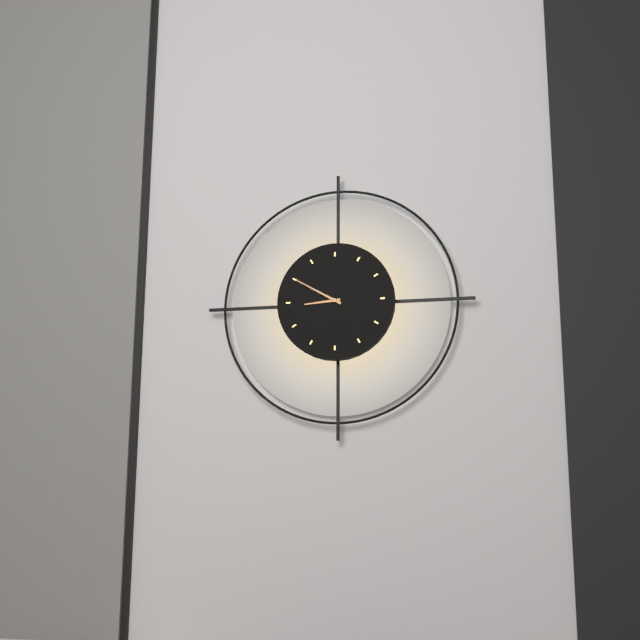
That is 8 h 50 min
